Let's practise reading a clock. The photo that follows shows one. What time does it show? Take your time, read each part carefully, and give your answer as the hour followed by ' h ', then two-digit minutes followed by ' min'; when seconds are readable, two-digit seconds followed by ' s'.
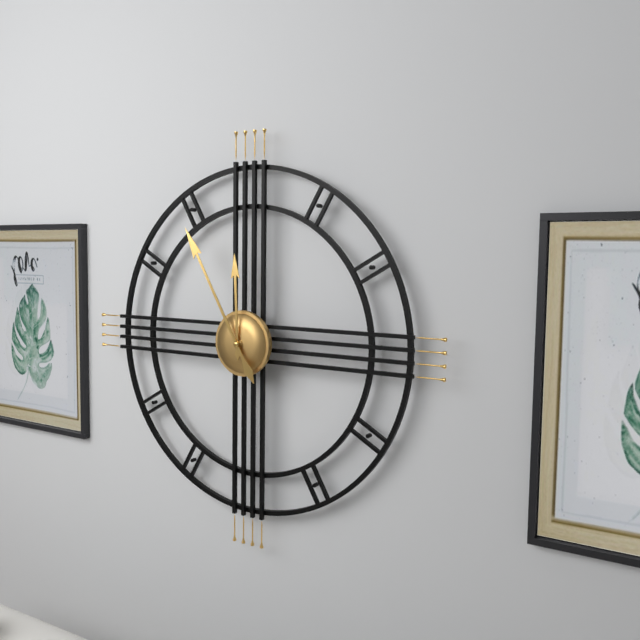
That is 11 h 55 min
